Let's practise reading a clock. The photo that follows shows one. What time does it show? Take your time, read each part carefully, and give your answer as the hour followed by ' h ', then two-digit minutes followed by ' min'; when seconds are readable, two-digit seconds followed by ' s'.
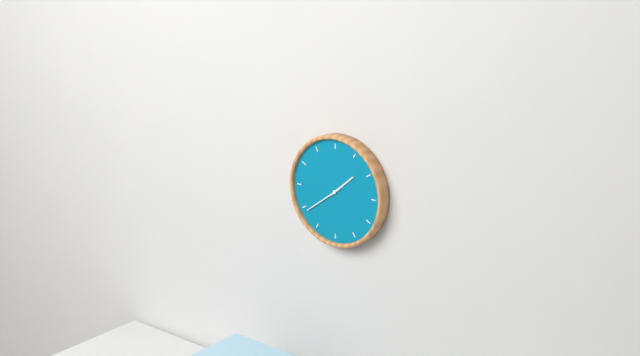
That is 1 h 39 min
